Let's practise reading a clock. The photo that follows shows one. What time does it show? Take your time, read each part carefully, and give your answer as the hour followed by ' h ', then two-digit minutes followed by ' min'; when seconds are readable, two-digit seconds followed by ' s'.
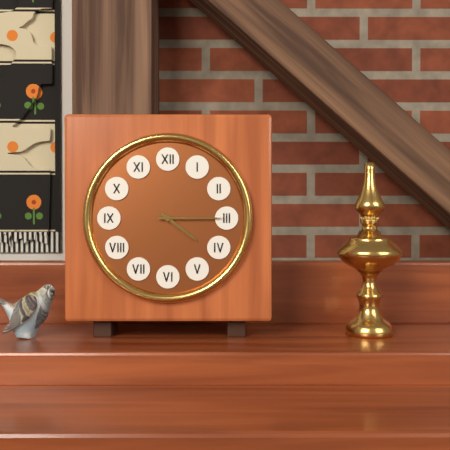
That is 4 h 15 min
